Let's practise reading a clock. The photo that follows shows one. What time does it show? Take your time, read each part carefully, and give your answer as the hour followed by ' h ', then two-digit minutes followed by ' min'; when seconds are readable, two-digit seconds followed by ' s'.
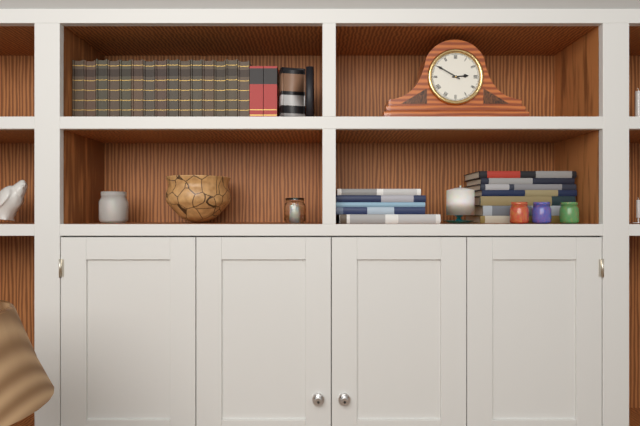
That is 2 h 50 min
